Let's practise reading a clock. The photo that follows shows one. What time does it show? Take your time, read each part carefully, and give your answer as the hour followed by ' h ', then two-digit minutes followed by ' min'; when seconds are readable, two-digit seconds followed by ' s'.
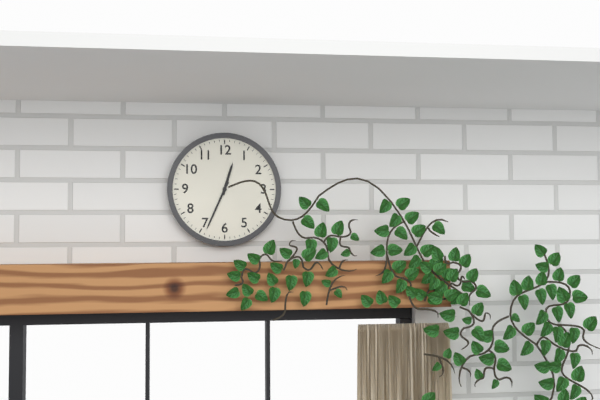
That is 12 h 34 min
